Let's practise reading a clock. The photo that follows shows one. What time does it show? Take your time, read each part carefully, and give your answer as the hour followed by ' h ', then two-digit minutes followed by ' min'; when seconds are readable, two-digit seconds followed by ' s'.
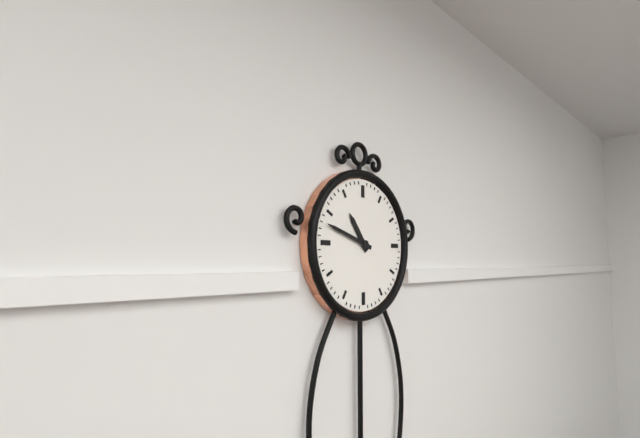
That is 10 h 48 min
